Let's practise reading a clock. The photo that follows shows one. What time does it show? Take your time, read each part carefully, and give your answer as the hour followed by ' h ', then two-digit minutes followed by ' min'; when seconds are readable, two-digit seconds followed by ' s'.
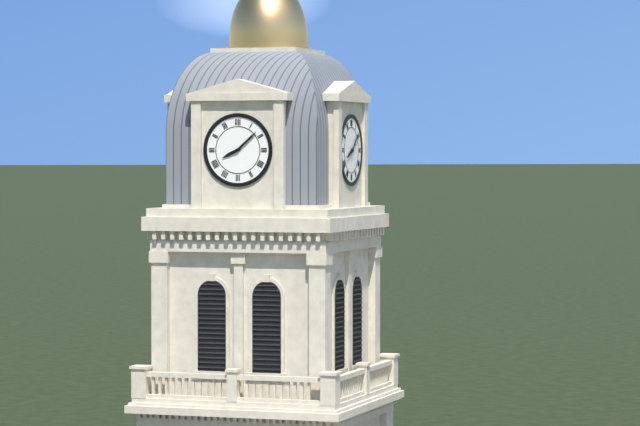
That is 8 h 08 min
